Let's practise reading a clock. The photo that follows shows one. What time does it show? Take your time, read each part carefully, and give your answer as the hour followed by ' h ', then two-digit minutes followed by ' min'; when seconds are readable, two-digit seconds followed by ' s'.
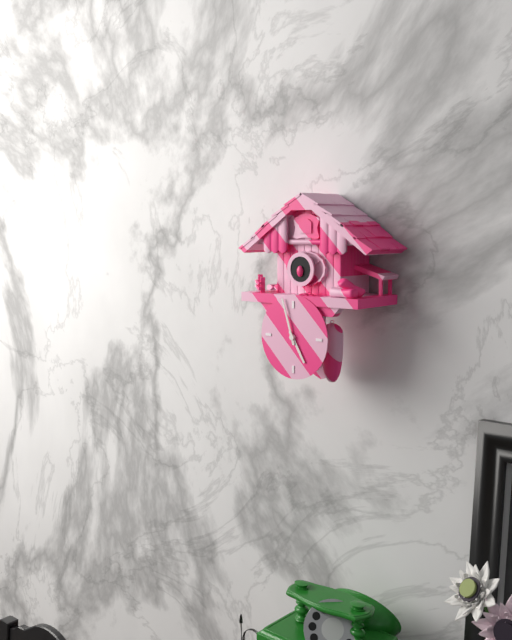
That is 4 h 57 min
